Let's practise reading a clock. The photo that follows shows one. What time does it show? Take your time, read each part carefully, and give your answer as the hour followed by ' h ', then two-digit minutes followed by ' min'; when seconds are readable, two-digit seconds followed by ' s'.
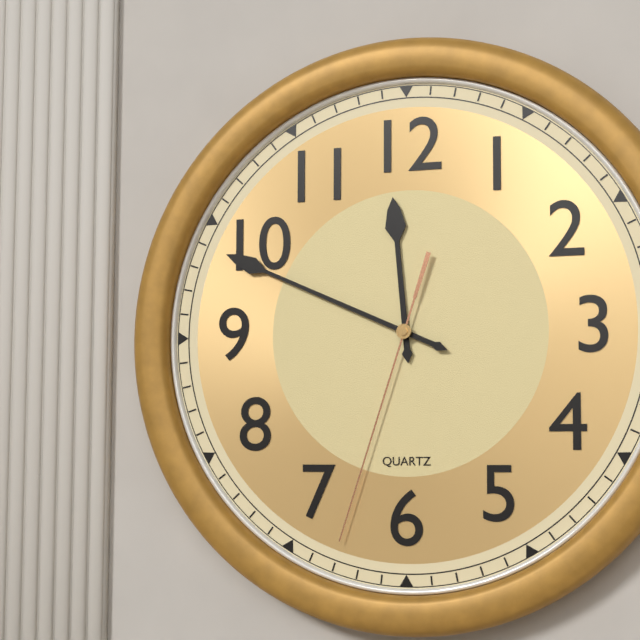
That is 11 h 49 min 33 s
